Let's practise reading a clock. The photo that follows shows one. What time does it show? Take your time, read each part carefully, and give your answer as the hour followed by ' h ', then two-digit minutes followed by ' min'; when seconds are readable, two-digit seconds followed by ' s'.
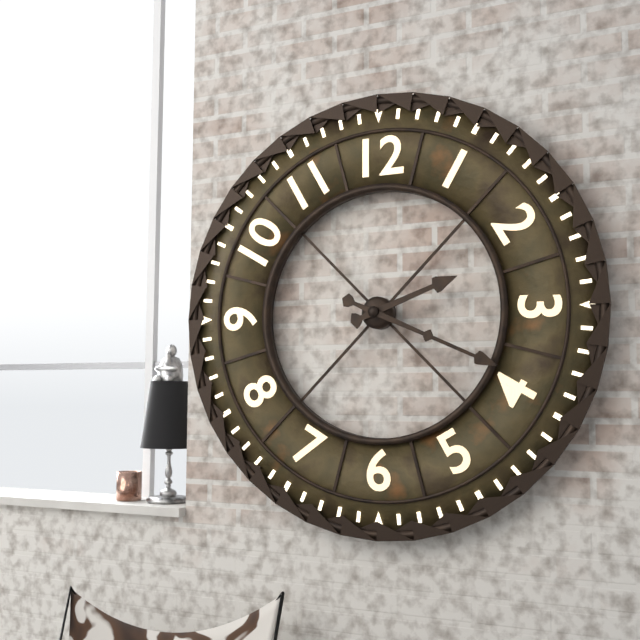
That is 2 h 19 min
